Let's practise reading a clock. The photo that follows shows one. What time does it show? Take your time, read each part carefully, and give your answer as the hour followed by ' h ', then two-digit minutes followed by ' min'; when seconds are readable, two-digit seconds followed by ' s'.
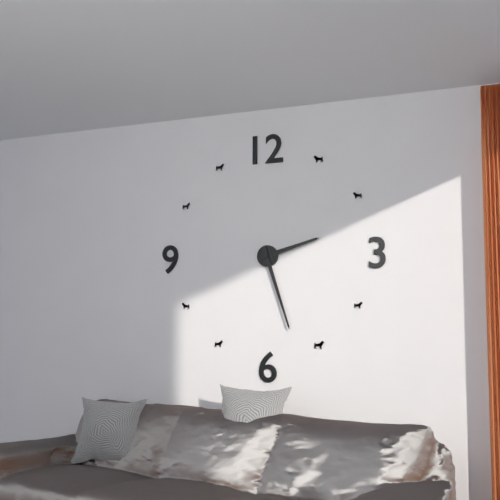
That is 2 h 27 min
